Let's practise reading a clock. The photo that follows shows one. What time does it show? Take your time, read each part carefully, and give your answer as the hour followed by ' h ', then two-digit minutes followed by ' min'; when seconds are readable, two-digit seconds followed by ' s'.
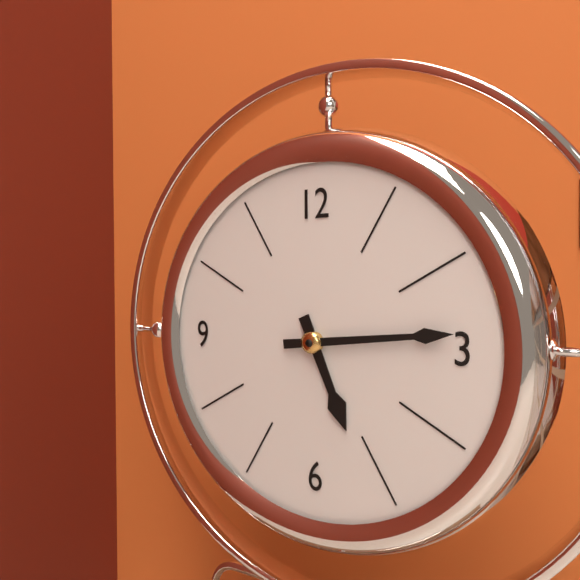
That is 5 h 14 min
